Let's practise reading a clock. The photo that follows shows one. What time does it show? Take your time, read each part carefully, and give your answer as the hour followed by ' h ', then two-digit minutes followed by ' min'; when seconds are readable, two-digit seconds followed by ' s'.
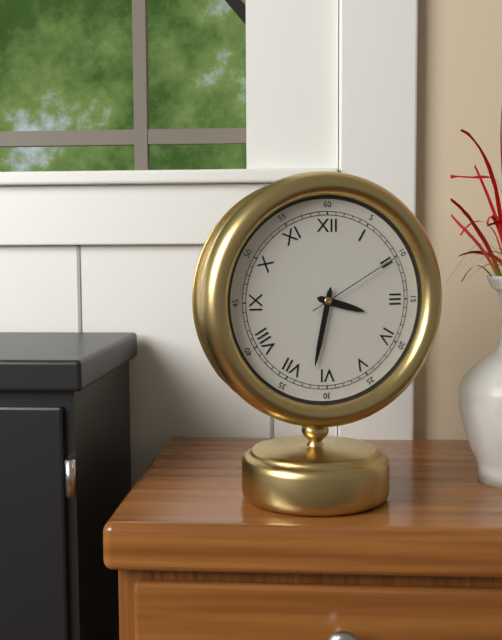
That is 3 h 32 min 10 s
